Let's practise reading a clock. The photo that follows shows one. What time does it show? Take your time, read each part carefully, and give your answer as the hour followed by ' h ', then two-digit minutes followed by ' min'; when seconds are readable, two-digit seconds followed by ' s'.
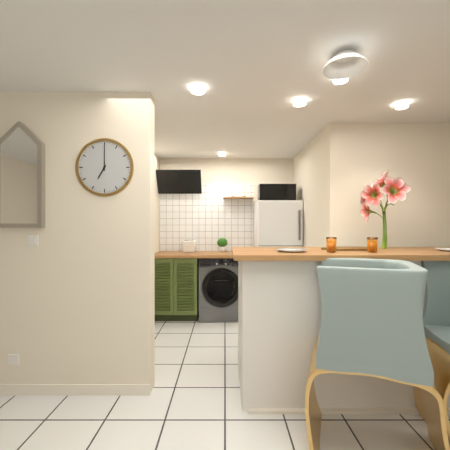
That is 7 h 00 min
